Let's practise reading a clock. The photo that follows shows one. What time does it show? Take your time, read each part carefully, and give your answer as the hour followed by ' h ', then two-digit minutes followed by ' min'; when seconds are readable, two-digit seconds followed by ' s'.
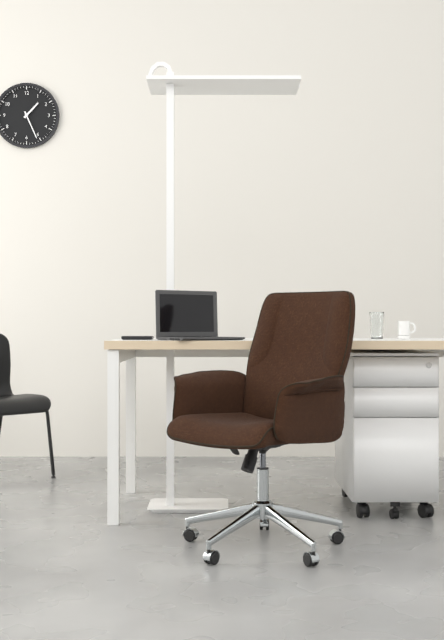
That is 1 h 26 min
